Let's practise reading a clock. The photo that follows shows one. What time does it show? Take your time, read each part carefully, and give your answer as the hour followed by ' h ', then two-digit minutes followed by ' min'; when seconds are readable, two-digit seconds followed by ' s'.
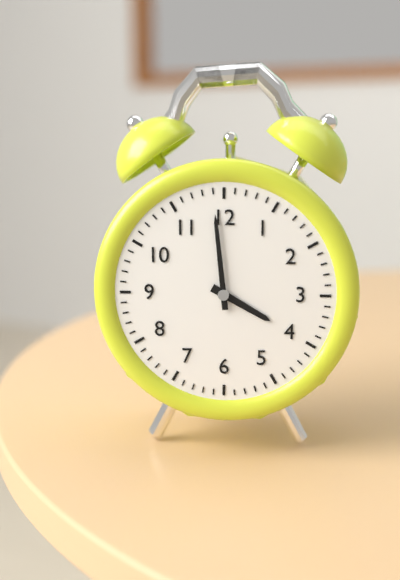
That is 3 h 59 min
